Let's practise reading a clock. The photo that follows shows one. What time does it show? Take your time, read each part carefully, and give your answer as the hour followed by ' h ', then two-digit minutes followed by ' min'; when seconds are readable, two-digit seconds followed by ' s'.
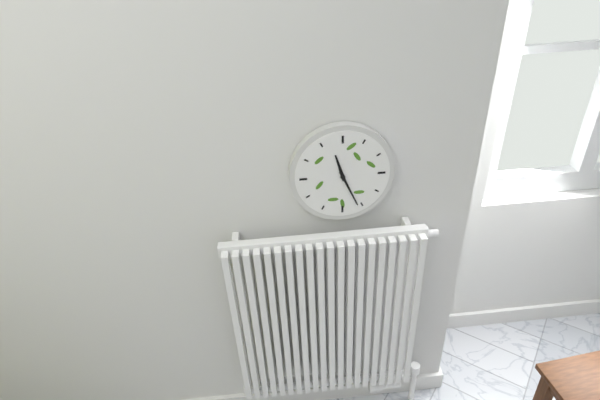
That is 11 h 26 min
